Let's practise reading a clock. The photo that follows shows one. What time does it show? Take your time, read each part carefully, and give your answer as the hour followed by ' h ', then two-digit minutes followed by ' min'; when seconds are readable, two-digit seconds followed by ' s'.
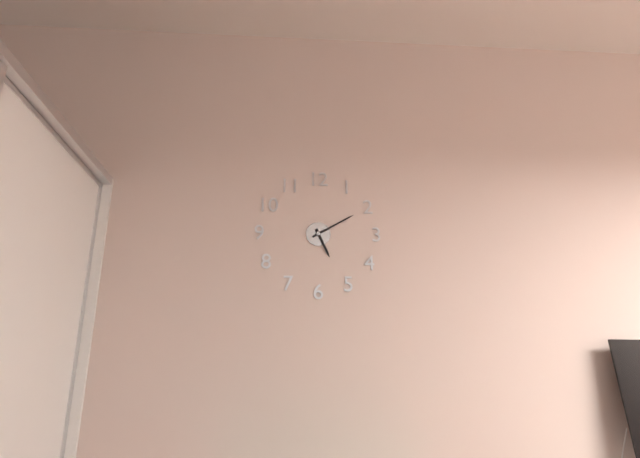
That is 5 h 10 min
